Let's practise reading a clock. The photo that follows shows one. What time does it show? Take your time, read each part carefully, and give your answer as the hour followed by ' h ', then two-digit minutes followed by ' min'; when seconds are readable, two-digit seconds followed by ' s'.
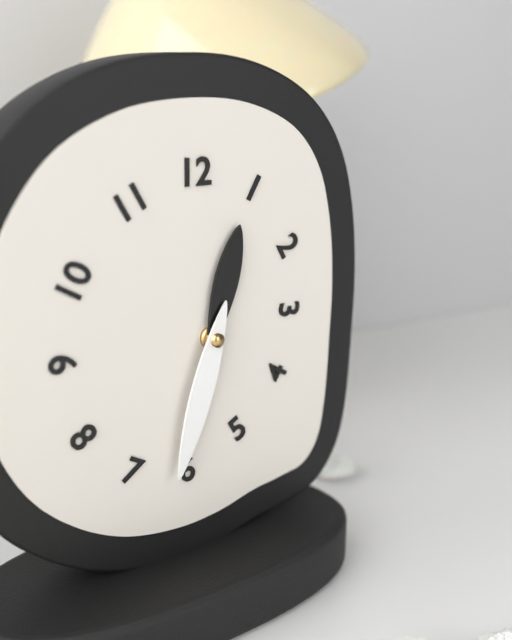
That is 12 h 33 min
